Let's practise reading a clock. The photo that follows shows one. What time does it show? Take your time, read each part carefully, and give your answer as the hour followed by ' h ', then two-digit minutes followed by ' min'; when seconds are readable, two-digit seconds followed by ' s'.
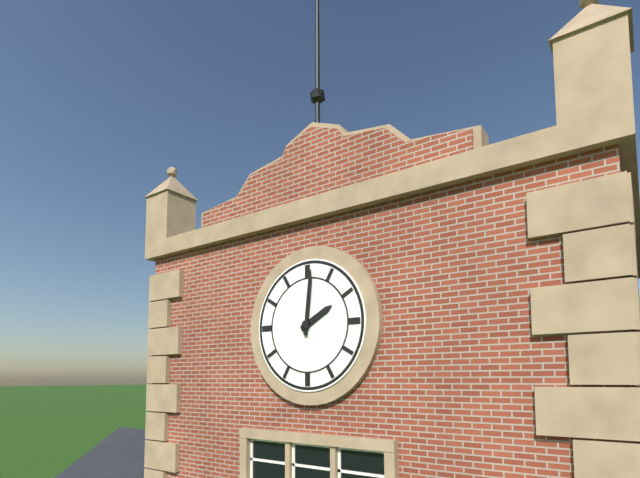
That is 2 h 01 min
